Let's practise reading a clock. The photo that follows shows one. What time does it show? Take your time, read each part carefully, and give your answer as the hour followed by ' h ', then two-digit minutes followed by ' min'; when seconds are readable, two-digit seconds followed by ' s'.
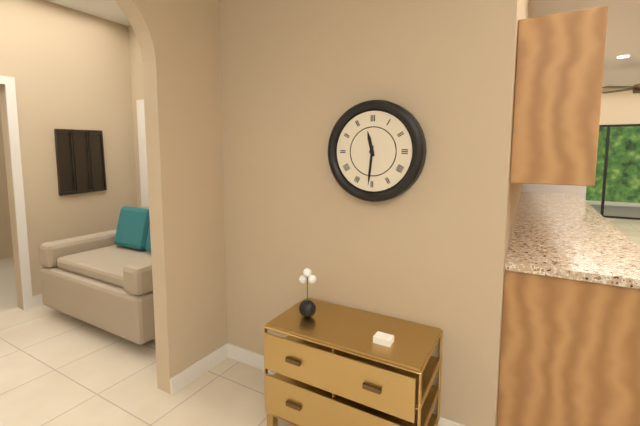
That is 11 h 31 min
